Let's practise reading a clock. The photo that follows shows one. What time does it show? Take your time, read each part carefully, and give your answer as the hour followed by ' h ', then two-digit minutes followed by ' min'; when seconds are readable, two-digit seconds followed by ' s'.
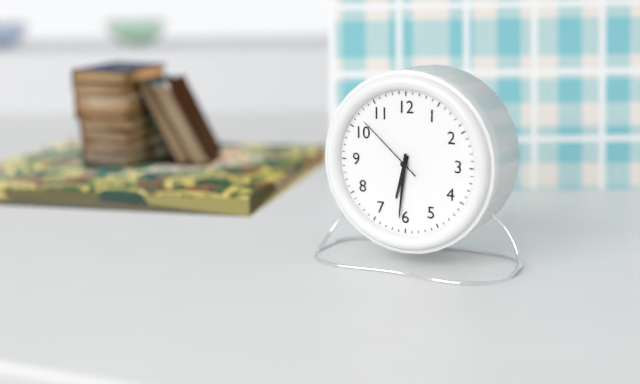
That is 6 h 31 min 52 s
